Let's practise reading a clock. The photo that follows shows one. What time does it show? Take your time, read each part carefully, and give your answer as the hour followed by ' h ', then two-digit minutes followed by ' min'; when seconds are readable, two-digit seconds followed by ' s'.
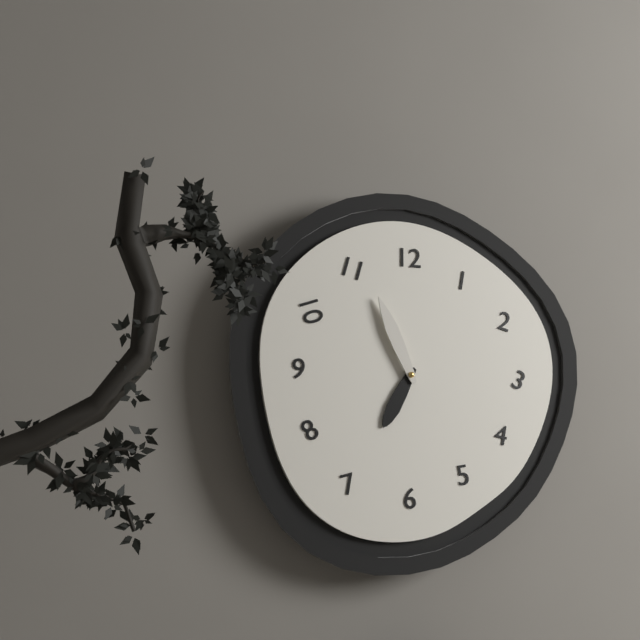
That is 6 h 56 min
